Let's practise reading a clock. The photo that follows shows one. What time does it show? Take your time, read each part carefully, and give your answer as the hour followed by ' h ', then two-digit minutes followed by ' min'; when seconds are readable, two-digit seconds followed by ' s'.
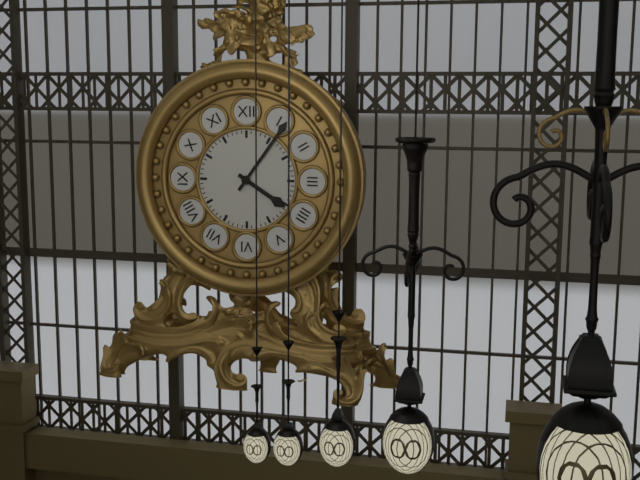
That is 4 h 06 min
